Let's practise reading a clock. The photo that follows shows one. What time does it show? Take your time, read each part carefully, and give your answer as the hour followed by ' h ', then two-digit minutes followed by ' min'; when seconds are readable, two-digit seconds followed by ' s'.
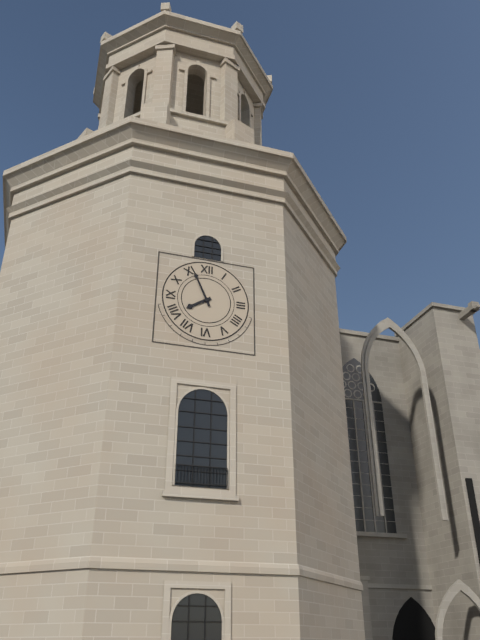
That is 7 h 56 min
